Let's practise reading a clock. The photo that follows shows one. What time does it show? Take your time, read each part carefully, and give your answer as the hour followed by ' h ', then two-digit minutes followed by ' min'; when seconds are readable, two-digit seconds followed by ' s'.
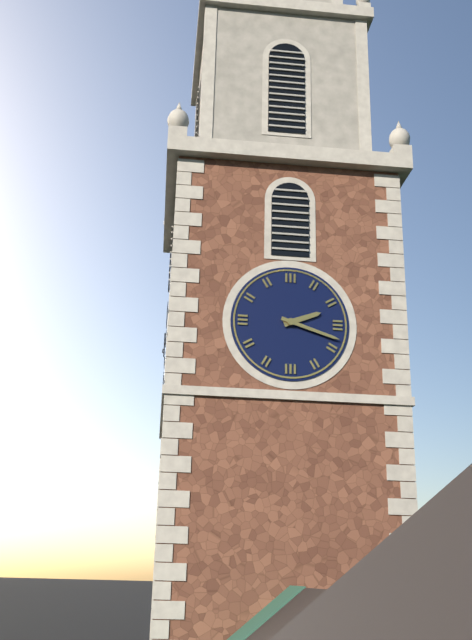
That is 2 h 18 min
